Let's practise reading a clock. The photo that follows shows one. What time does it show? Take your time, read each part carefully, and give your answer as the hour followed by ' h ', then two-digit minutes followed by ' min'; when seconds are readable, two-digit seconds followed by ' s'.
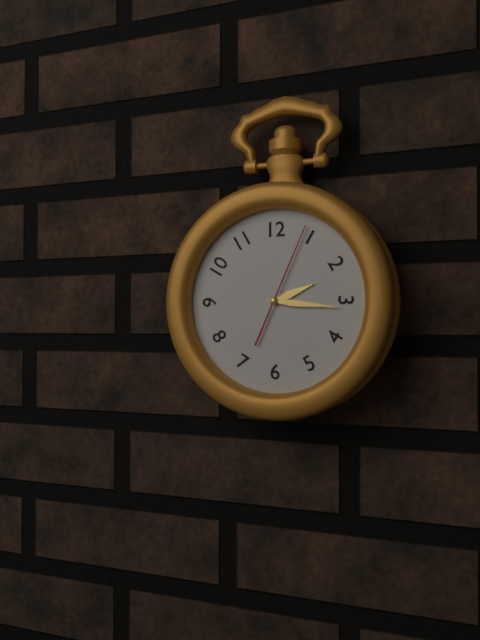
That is 2 h 16 min 04 s
